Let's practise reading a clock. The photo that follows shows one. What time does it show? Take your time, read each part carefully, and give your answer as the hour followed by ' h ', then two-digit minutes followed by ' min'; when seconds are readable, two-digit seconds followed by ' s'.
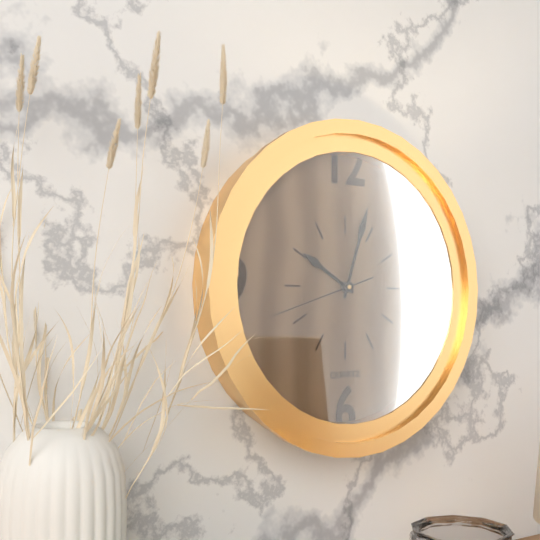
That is 10 h 03 min 42 s
